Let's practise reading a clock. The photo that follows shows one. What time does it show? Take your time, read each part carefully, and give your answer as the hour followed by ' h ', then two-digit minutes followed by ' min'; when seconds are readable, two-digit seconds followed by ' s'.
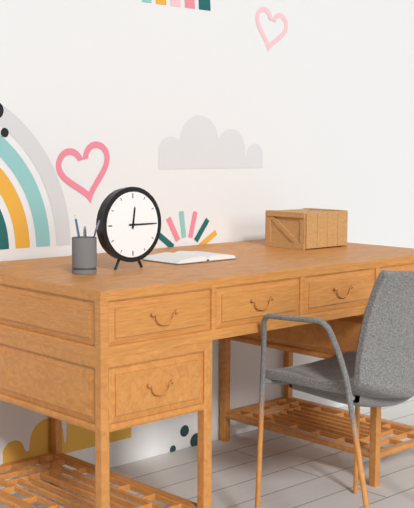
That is 12 h 15 min
